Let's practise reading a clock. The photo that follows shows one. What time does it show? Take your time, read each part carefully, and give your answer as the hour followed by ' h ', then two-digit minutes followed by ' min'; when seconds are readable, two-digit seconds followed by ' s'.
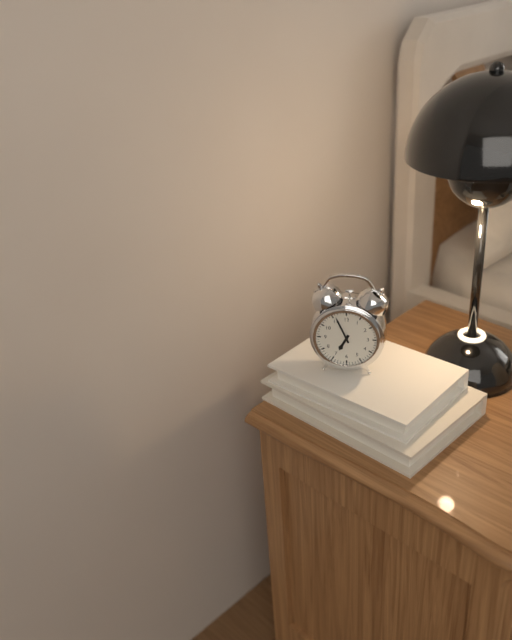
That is 6 h 56 min
